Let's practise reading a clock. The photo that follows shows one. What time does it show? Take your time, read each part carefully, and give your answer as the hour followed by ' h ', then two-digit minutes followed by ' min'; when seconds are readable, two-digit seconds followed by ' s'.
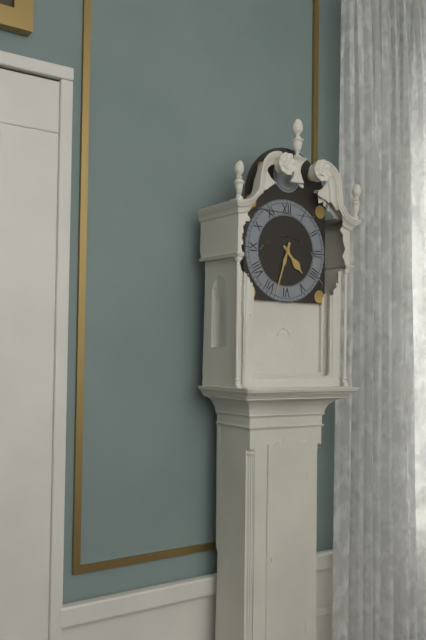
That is 4 h 33 min
